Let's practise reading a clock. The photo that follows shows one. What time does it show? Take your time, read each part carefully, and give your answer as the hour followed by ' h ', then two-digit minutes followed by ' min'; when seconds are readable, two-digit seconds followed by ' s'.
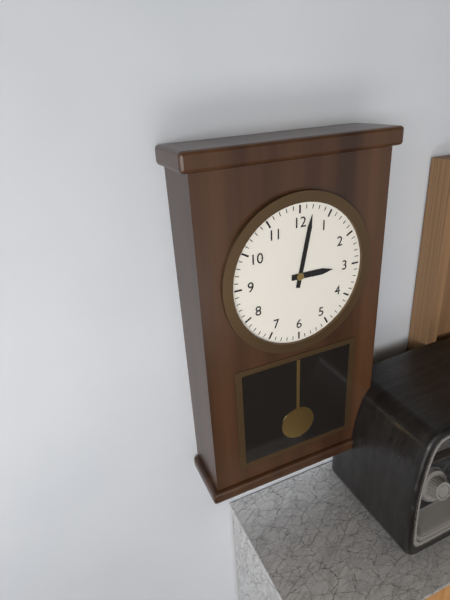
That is 3 h 02 min
